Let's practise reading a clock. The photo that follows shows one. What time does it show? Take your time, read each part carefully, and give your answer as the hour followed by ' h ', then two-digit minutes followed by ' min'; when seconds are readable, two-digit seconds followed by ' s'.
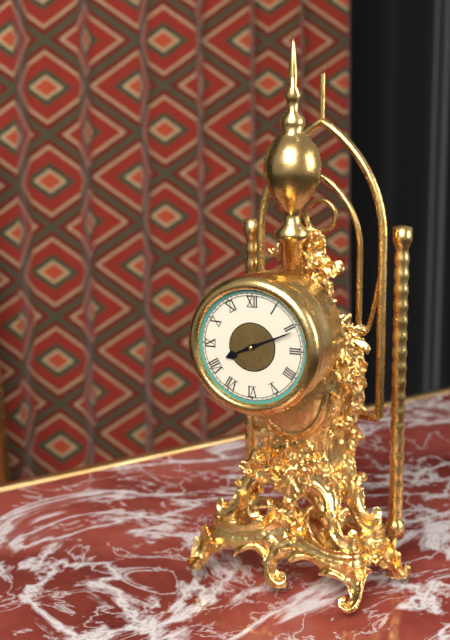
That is 8 h 11 min
